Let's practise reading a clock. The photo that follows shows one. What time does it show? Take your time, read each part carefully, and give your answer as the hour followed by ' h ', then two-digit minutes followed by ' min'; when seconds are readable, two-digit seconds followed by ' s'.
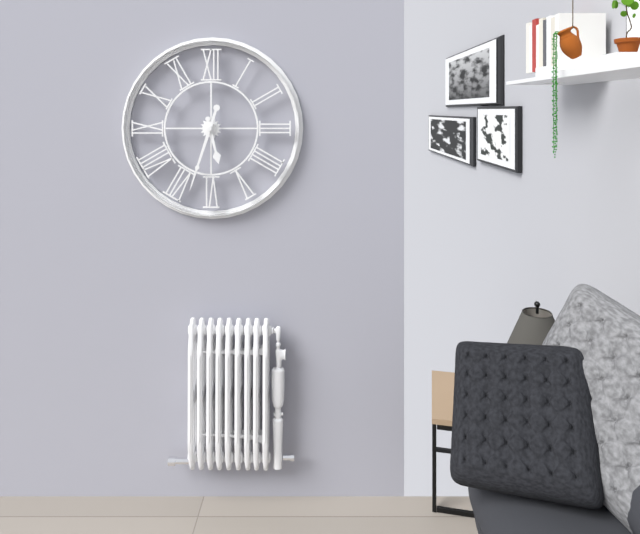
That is 5 h 33 min
